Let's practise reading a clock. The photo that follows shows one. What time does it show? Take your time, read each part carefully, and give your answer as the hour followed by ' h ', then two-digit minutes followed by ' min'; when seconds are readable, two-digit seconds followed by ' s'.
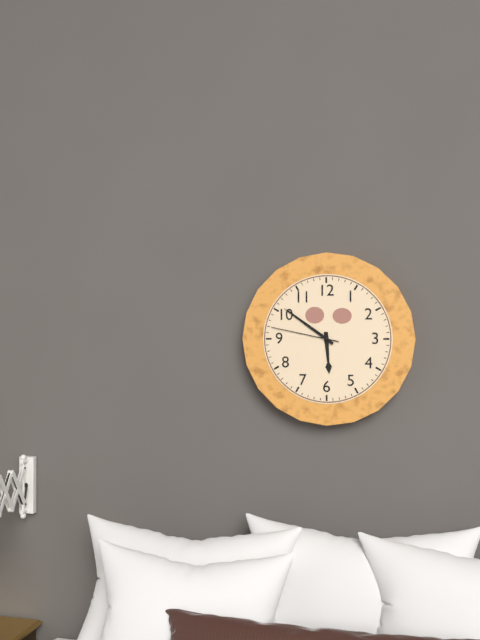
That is 5 h 51 min 47 s
